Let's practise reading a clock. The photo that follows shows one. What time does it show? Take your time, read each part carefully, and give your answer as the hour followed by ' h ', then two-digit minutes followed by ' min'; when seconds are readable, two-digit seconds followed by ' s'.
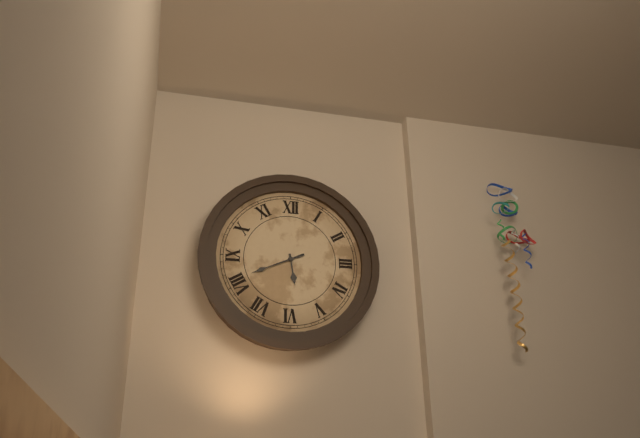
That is 5 h 41 min
